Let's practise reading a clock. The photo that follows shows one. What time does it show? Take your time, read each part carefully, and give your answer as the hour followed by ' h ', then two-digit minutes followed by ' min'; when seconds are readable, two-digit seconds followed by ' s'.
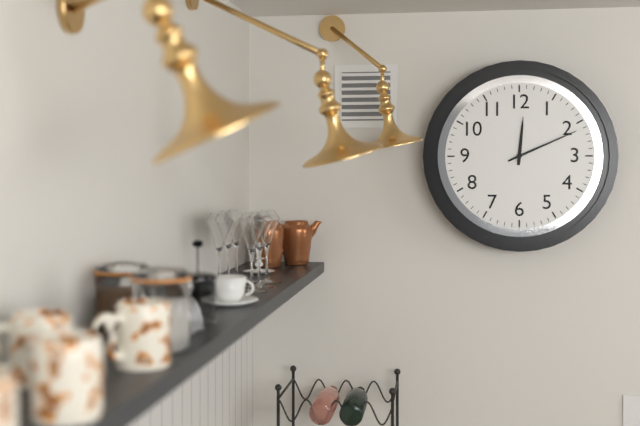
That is 12 h 11 min
